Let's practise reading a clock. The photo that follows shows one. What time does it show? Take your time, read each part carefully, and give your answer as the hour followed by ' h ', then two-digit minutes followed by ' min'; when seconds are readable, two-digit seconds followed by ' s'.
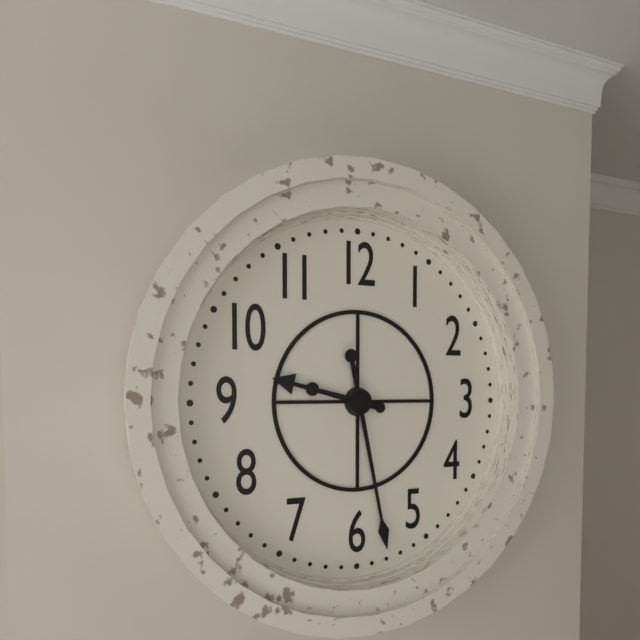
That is 9 h 28 min
